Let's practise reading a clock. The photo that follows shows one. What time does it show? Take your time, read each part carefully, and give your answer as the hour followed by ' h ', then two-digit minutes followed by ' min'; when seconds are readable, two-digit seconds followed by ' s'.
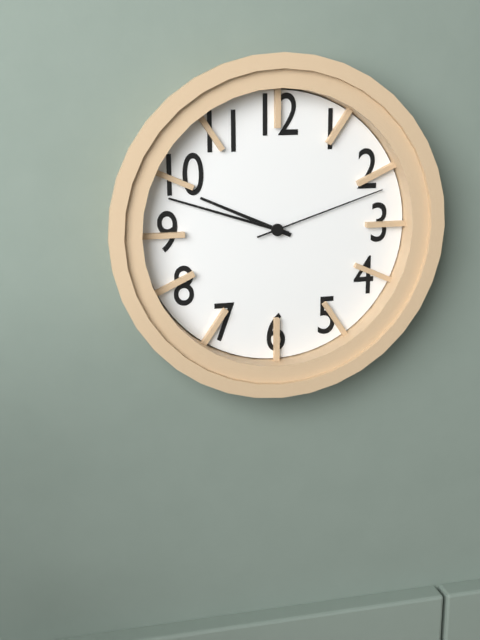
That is 9 h 48 min 12 s
